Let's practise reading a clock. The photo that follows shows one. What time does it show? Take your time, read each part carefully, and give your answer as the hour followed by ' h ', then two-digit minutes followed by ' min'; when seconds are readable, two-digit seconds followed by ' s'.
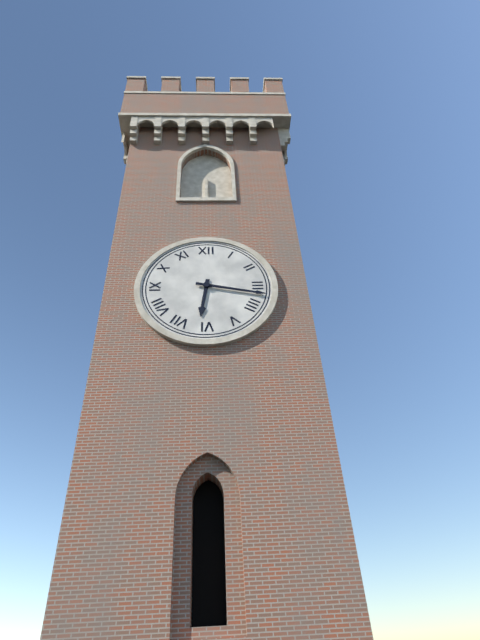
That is 6 h 17 min
